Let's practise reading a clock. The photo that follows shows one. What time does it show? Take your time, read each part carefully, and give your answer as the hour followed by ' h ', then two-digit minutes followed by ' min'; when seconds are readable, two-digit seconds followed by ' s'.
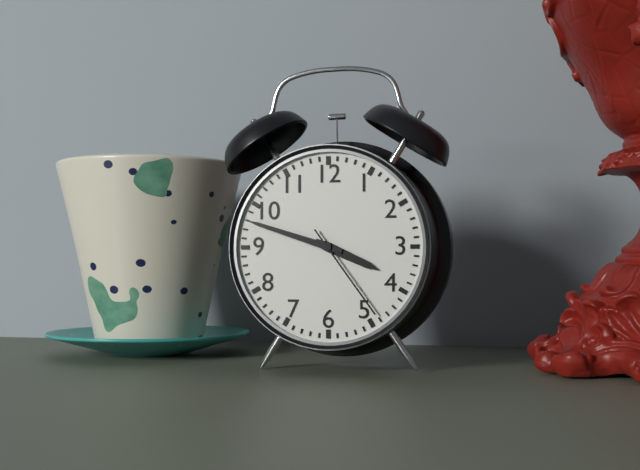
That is 3 h 48 min 24 s
